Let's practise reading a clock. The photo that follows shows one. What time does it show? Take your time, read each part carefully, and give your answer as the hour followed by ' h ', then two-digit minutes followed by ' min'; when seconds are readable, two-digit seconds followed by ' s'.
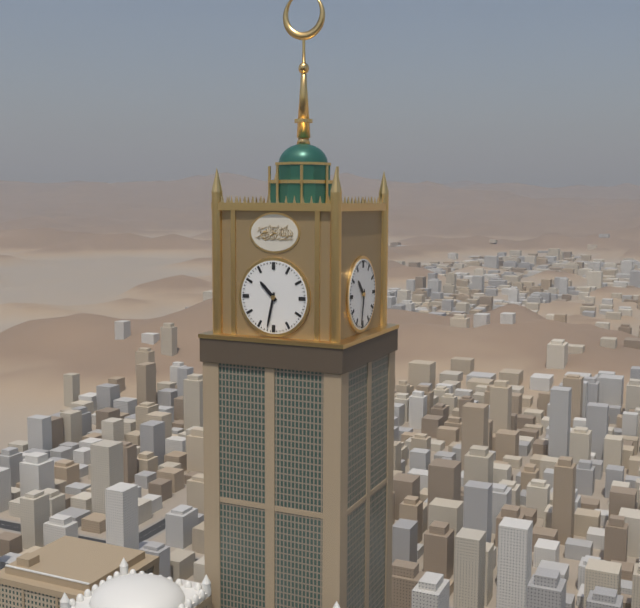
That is 10 h 32 min
